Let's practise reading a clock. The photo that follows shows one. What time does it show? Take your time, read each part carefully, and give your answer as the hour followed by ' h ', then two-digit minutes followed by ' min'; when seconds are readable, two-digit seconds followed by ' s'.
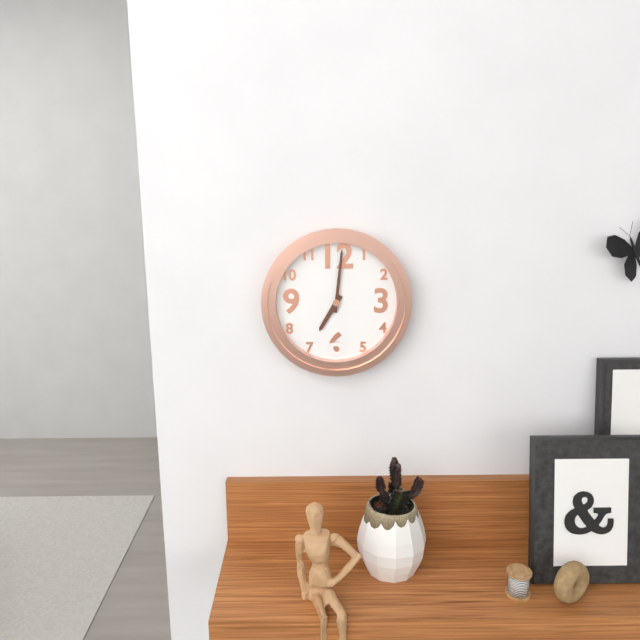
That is 7 h 01 min
